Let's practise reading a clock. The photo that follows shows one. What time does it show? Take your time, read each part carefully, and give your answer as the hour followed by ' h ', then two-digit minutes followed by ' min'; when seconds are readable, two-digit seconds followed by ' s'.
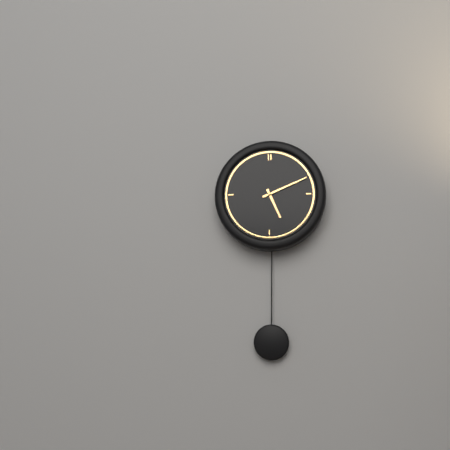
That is 5 h 11 min
